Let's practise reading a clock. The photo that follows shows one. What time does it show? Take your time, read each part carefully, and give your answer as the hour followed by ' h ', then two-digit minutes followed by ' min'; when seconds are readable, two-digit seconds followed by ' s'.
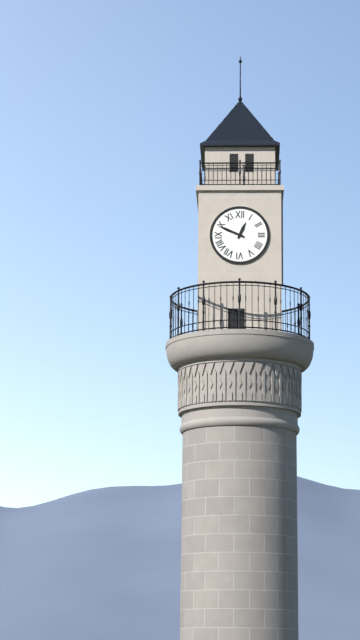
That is 12 h 49 min
